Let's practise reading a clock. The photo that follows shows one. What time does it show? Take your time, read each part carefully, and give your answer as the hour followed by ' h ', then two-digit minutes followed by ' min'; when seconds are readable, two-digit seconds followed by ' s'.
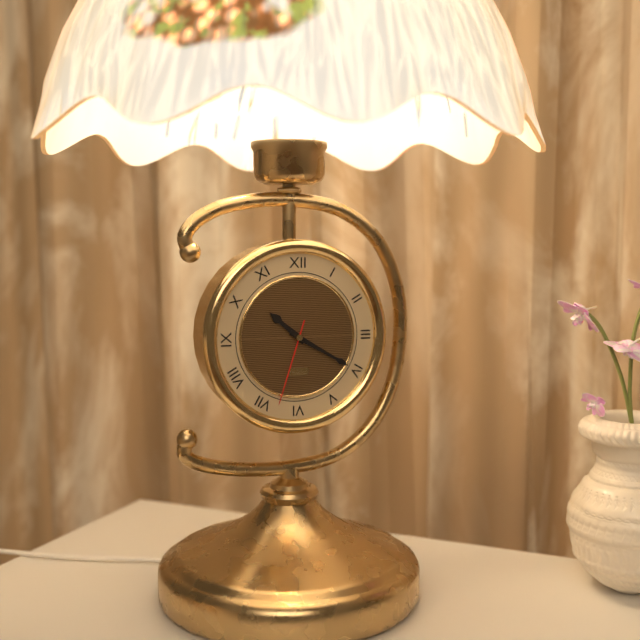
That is 10 h 20 min 33 s
